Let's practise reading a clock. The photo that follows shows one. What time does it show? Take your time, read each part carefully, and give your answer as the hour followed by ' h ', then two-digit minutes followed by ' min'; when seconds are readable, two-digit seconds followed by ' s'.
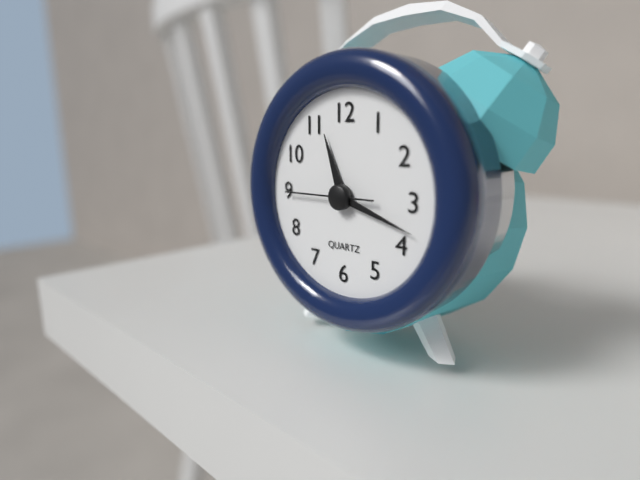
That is 11 h 18 min 45 s
